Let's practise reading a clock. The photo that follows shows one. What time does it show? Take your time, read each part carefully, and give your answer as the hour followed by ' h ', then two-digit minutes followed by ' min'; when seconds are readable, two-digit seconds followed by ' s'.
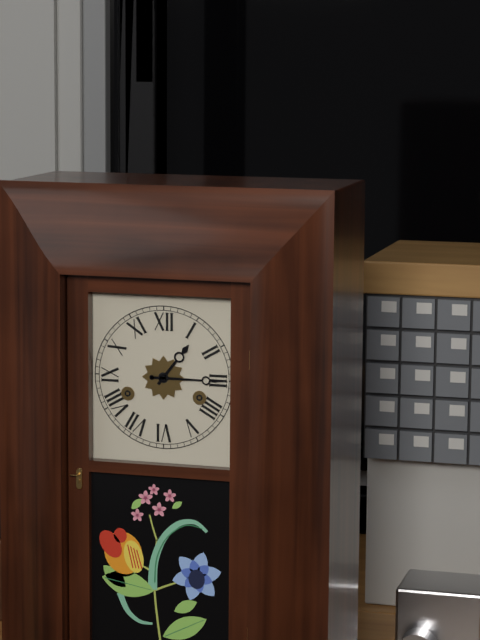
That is 1 h 15 min
